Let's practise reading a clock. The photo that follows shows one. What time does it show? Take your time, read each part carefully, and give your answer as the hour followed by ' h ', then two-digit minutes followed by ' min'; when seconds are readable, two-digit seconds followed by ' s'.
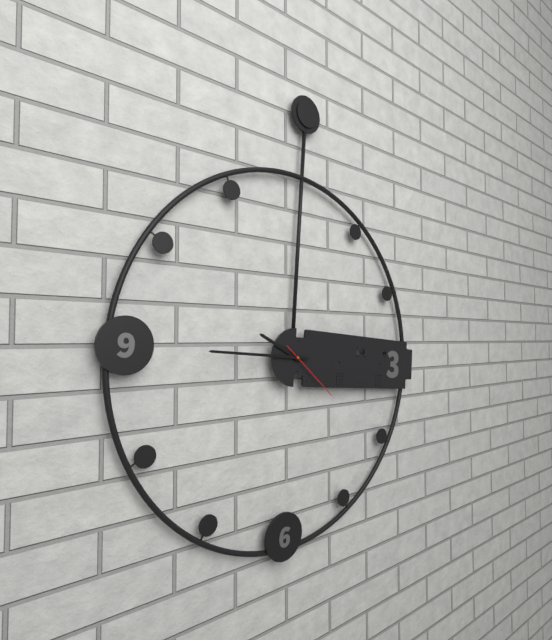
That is 9 h 45 min 21 s
